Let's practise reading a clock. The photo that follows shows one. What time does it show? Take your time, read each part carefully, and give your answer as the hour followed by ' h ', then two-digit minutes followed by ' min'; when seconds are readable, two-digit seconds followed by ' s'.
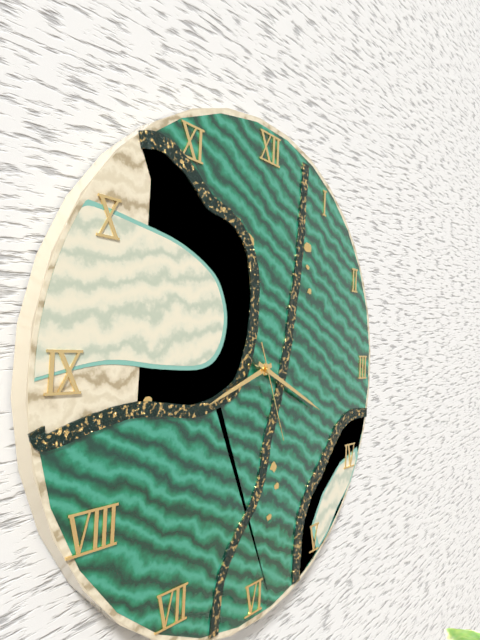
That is 8 h 19 min 26 s
